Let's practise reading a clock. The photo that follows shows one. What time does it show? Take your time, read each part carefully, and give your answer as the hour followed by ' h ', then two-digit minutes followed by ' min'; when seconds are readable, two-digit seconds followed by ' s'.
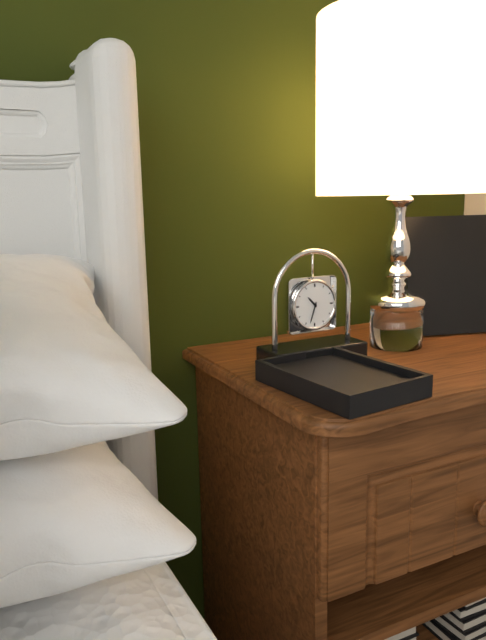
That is 10 h 33 min
